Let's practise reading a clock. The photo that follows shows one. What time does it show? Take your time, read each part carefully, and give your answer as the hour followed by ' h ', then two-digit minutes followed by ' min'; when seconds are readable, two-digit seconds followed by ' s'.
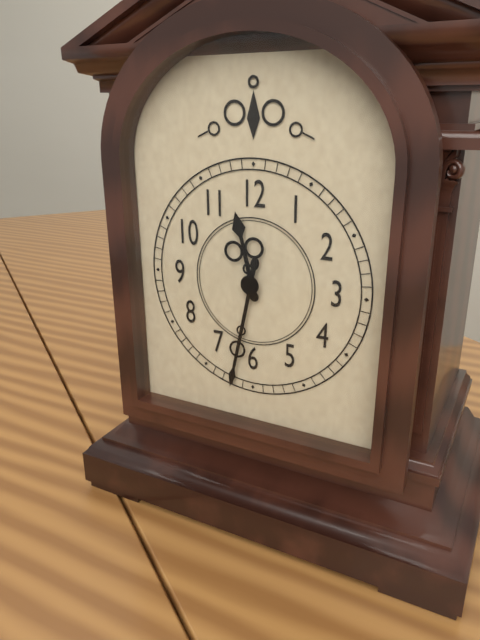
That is 11 h 32 min
